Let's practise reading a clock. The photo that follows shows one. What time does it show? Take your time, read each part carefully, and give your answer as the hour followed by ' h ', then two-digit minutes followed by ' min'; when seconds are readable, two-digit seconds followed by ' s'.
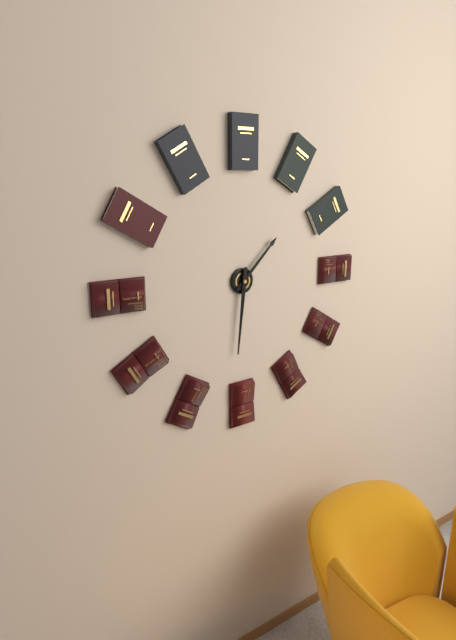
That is 1 h 31 min
